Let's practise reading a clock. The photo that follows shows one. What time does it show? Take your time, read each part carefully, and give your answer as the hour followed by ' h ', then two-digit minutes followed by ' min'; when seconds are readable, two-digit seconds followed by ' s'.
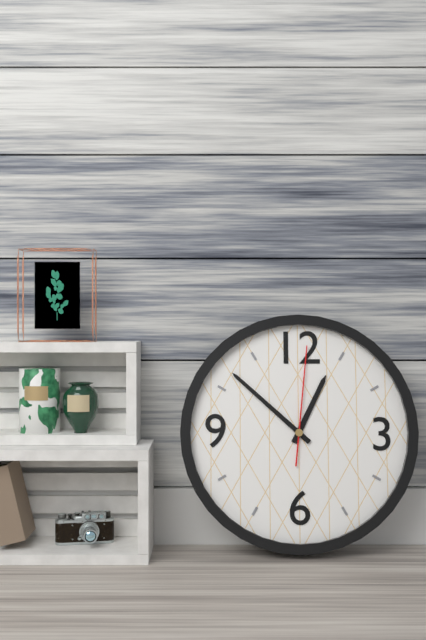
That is 12 h 52 min 01 s
